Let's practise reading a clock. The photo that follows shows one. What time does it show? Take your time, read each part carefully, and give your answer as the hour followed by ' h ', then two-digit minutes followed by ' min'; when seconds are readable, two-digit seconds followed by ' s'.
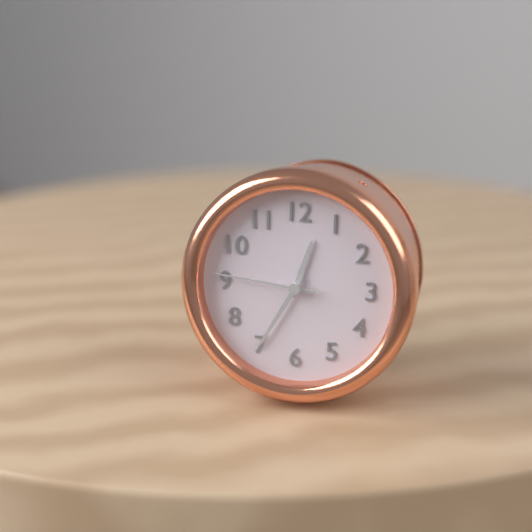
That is 12 h 35 min 46 s
